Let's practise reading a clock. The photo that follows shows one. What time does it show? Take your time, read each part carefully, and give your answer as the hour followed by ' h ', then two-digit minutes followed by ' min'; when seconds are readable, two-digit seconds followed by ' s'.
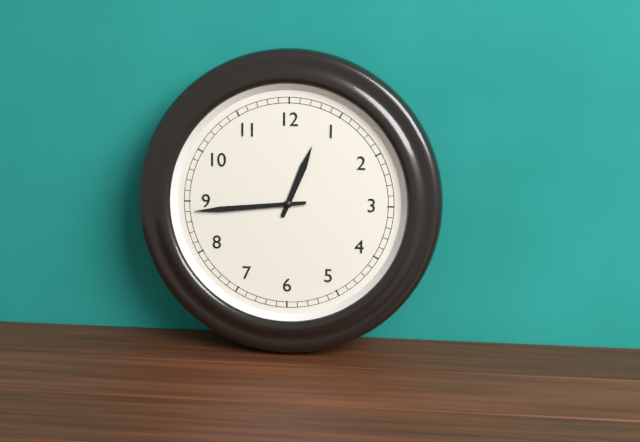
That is 12 h 44 min
